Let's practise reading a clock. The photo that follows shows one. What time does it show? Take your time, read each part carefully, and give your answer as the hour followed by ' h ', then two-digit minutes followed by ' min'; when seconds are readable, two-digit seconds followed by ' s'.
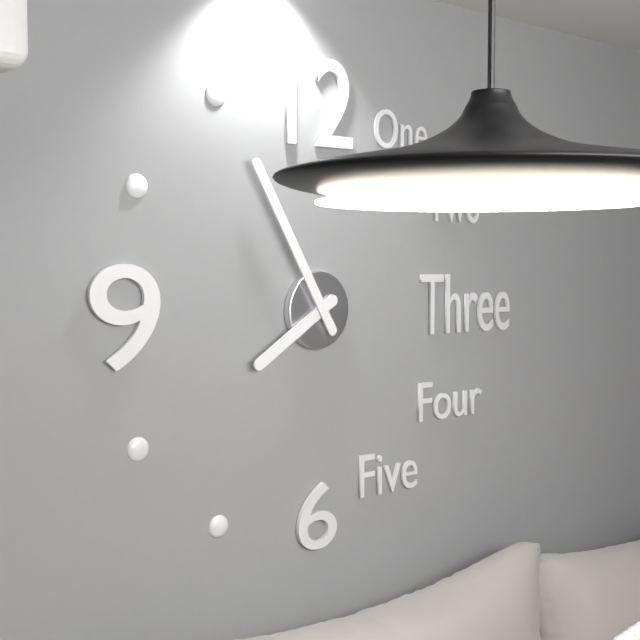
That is 7 h 55 min
